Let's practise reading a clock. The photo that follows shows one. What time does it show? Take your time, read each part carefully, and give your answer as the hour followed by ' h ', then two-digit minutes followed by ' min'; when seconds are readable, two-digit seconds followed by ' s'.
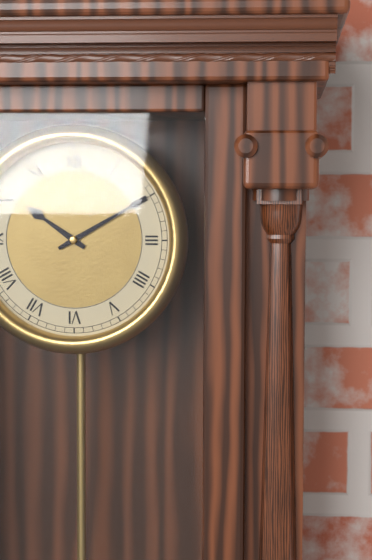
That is 10 h 10 min
